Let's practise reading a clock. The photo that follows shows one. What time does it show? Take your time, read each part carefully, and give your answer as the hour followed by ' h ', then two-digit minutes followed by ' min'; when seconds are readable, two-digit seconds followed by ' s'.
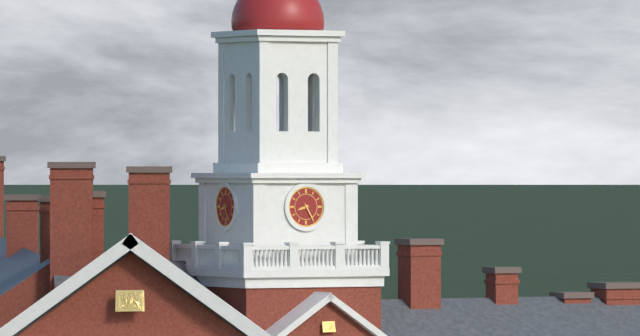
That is 8 h 25 min
